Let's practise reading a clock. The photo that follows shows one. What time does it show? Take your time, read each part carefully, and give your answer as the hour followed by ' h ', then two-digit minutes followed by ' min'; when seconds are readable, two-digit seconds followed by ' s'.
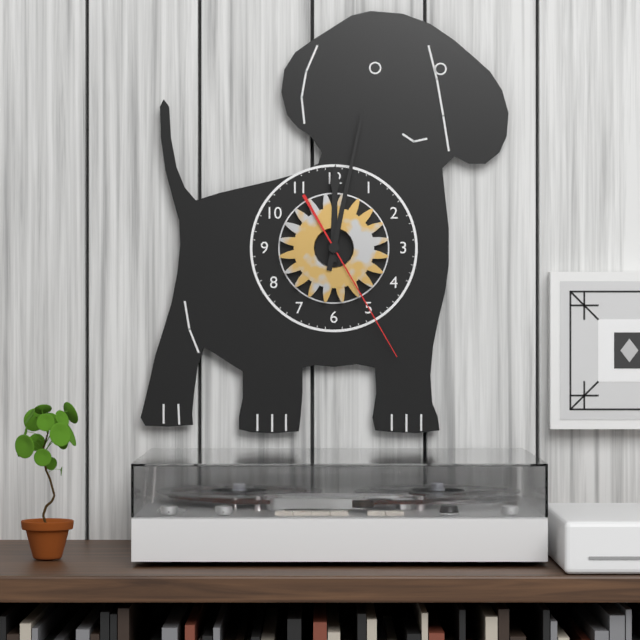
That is 12 h 02 min 25 s
